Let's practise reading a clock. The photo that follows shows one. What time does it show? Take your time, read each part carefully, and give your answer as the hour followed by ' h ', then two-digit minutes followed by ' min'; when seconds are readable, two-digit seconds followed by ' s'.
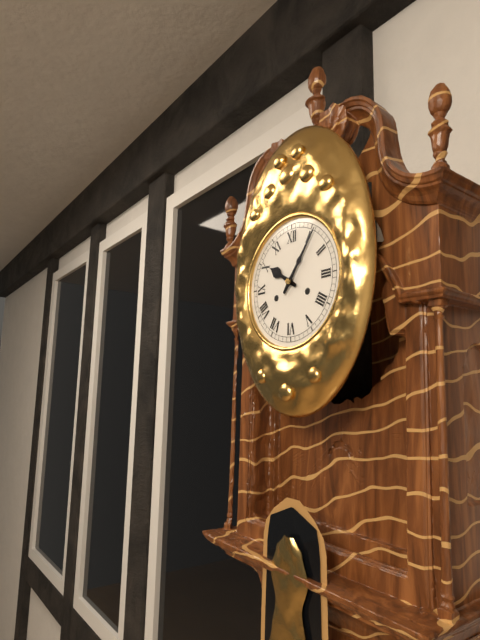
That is 10 h 06 min
